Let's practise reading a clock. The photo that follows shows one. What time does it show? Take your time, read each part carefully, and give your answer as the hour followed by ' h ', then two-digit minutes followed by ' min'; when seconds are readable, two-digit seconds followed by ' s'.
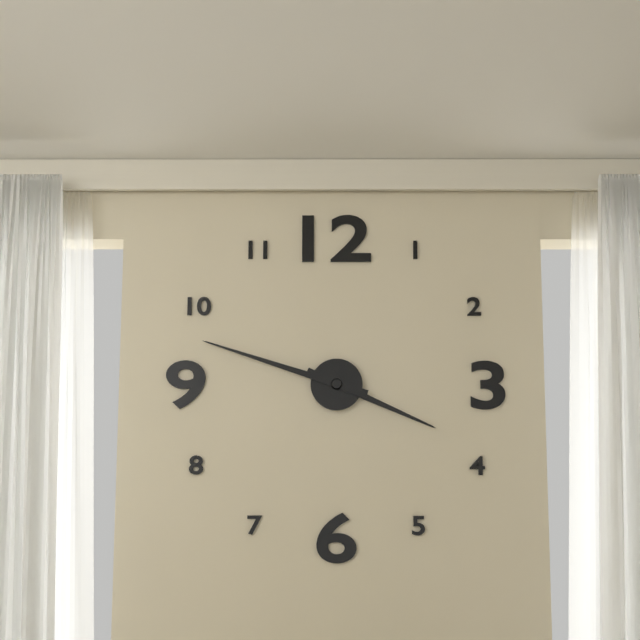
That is 3 h 48 min
